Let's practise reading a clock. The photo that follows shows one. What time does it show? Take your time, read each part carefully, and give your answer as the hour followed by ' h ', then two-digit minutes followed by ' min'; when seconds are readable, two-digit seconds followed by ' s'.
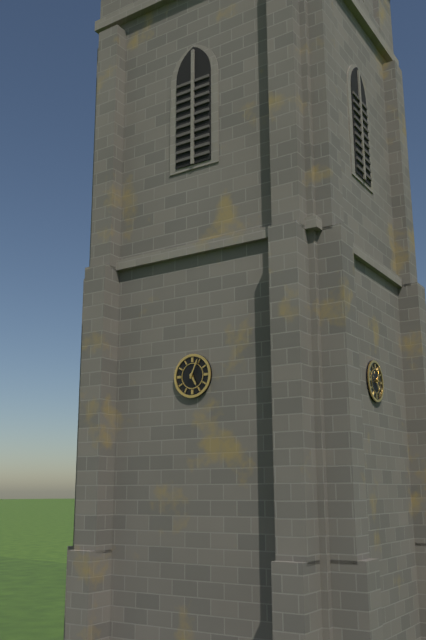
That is 5 h 04 min
